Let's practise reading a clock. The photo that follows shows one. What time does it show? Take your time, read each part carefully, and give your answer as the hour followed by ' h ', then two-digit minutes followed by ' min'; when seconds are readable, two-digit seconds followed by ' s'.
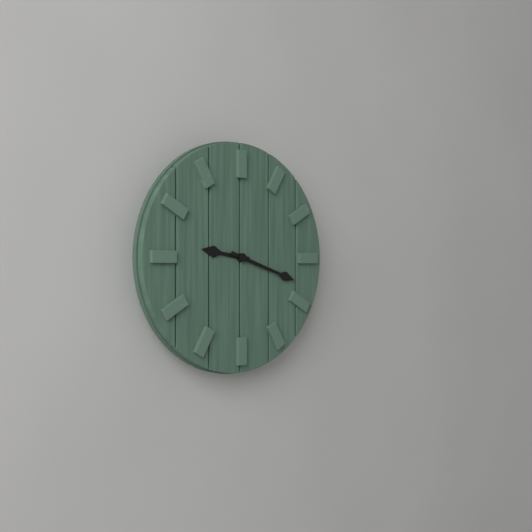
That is 9 h 18 min
